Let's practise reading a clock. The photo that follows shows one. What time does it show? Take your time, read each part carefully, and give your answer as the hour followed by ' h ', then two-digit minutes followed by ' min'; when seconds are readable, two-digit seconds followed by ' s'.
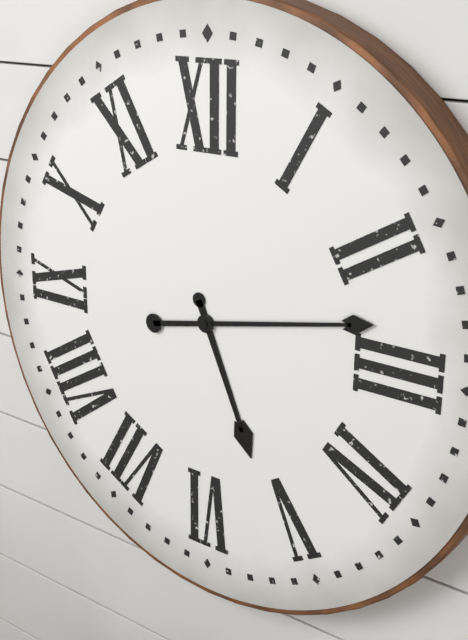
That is 5 h 13 min
